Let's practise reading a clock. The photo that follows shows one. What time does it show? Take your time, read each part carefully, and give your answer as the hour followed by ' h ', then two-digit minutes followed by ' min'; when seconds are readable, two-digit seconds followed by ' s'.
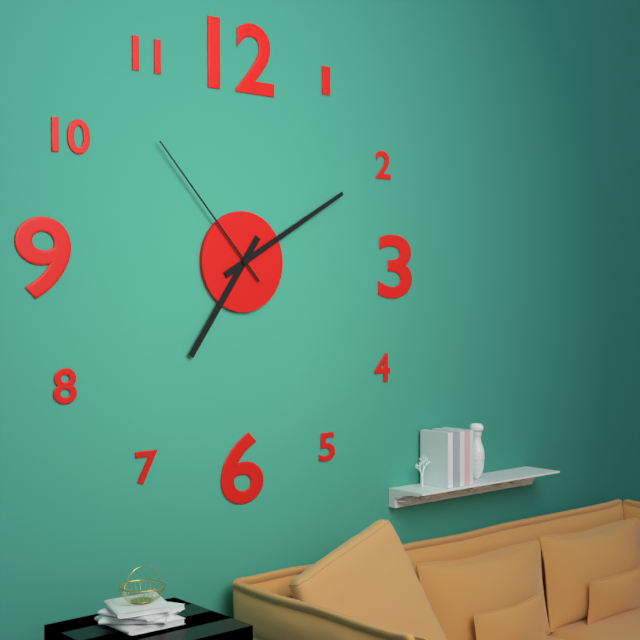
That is 7 h 10 min 53 s
